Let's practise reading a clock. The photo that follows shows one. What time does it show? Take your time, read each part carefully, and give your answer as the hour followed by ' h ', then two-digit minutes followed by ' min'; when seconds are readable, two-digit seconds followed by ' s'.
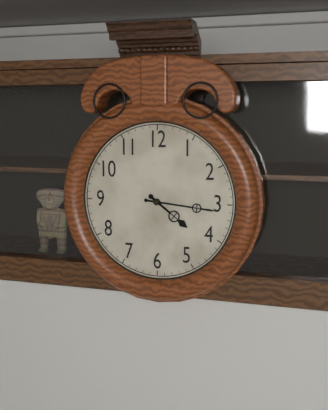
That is 4 h 16 min
